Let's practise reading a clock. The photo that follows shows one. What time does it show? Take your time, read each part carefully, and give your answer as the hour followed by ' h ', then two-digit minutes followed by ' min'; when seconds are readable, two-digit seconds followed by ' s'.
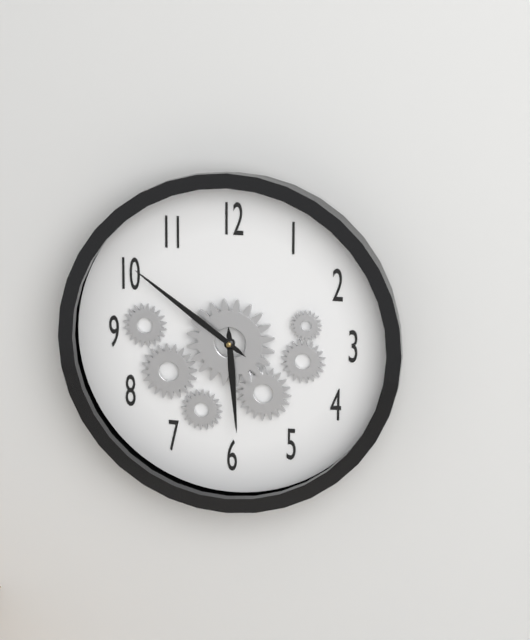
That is 5 h 51 min
